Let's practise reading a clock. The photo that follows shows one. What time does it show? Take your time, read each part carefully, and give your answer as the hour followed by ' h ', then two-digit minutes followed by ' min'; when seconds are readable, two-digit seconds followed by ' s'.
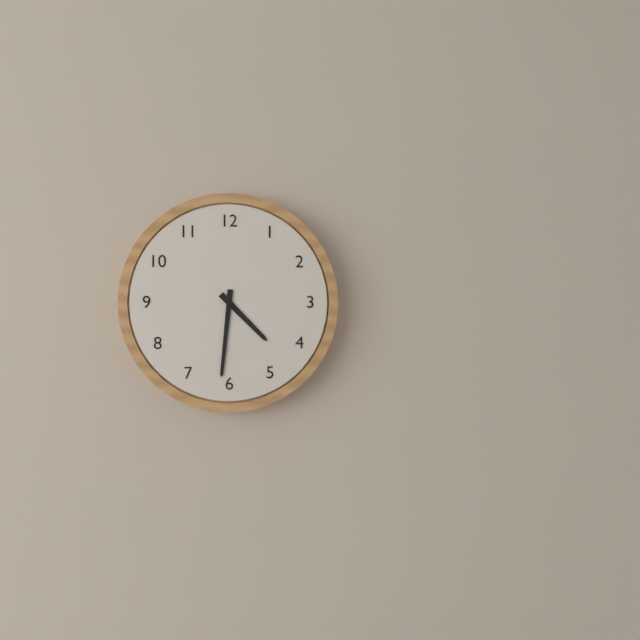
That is 4 h 31 min
